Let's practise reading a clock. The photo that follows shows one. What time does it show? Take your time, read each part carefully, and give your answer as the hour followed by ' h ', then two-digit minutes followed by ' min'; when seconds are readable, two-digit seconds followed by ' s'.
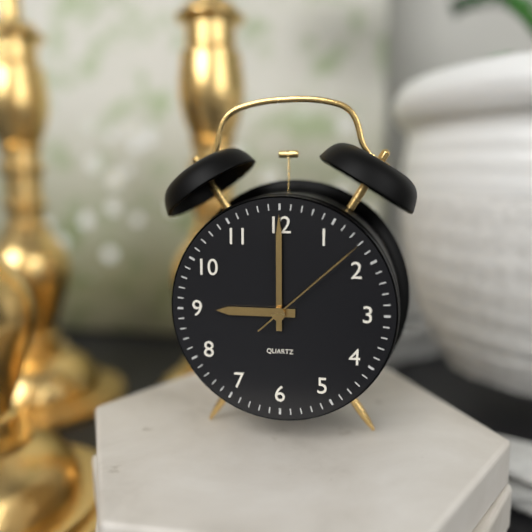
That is 9 h 00 min 08 s
